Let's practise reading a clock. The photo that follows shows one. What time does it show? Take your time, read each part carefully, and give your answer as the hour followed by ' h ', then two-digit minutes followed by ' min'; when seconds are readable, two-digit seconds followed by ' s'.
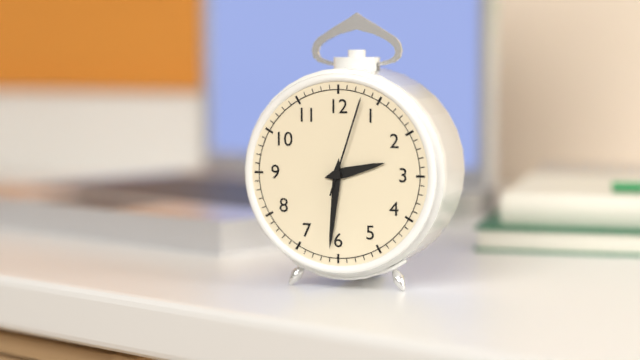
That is 2 h 31 min 03 s
